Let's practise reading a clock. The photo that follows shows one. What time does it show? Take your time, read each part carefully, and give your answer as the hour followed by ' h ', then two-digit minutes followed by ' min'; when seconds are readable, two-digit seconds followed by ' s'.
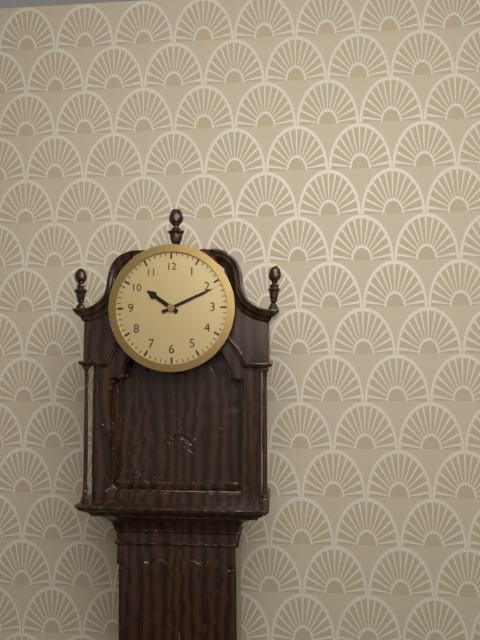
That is 10 h 11 min
